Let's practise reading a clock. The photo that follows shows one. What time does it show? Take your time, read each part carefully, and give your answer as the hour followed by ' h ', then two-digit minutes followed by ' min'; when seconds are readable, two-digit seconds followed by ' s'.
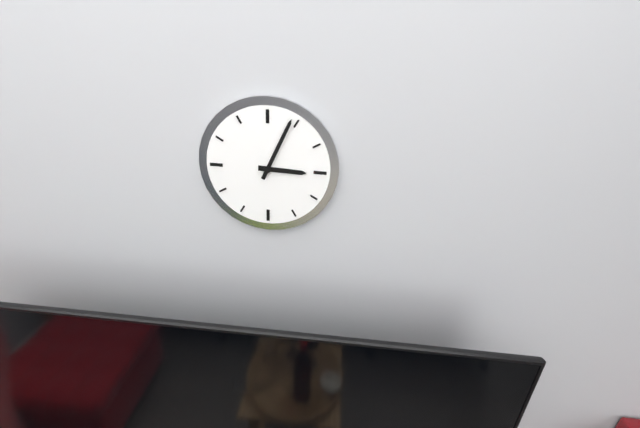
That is 3 h 04 min
